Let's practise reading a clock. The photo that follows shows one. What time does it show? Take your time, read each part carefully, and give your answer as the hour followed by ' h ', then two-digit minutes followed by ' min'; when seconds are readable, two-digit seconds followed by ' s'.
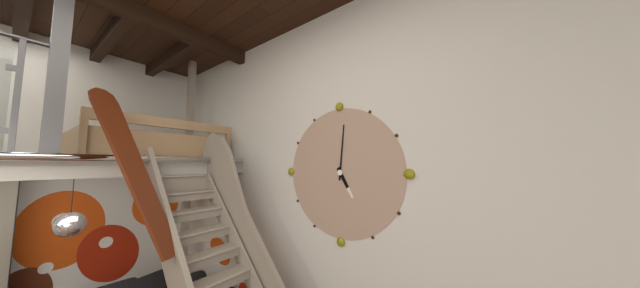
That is 5 h 01 min
